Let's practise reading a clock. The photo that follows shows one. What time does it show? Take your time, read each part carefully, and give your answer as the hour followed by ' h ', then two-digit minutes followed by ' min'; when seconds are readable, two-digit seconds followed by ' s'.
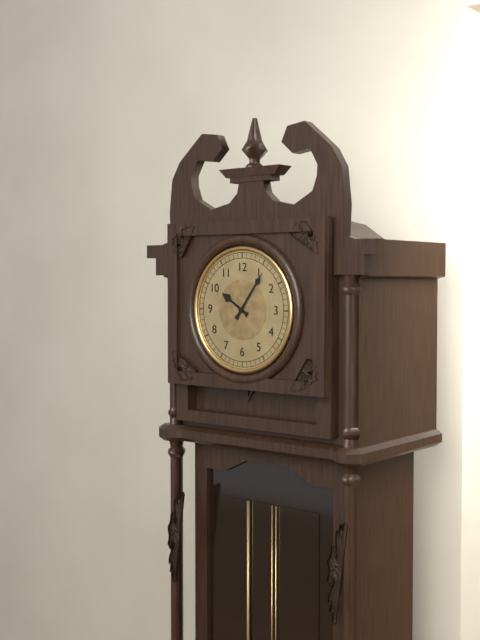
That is 10 h 06 min
